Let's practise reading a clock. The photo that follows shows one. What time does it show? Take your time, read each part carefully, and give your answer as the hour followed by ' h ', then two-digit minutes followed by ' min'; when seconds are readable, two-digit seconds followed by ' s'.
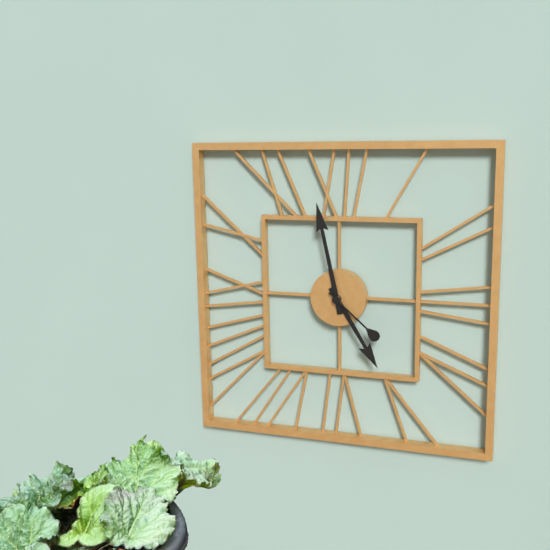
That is 4 h 58 min 22 s
